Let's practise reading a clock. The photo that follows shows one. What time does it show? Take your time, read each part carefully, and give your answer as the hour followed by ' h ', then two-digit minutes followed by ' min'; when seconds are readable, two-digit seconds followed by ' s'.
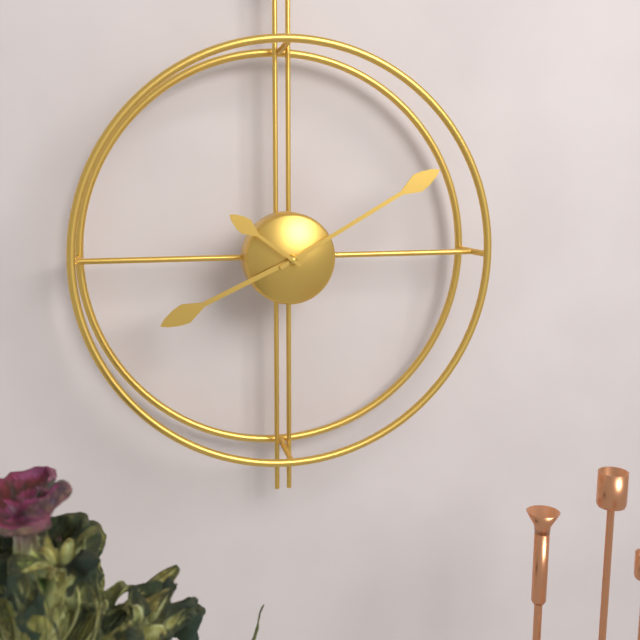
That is 8 h 10 min 51 s
